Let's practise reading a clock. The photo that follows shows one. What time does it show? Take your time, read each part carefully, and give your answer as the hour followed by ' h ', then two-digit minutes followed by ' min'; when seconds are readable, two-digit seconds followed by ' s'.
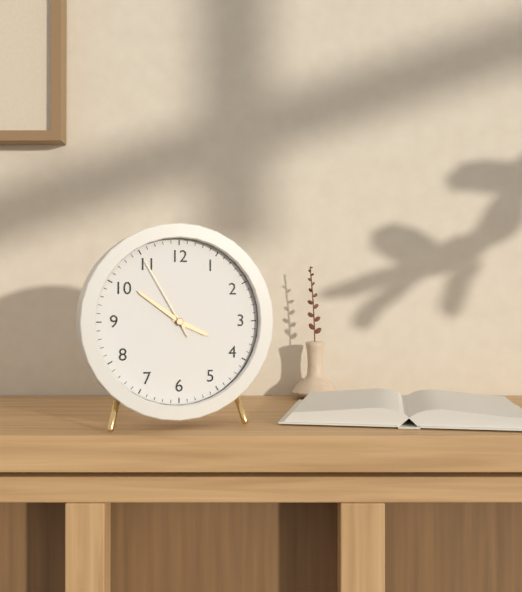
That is 3 h 51 min 55 s
